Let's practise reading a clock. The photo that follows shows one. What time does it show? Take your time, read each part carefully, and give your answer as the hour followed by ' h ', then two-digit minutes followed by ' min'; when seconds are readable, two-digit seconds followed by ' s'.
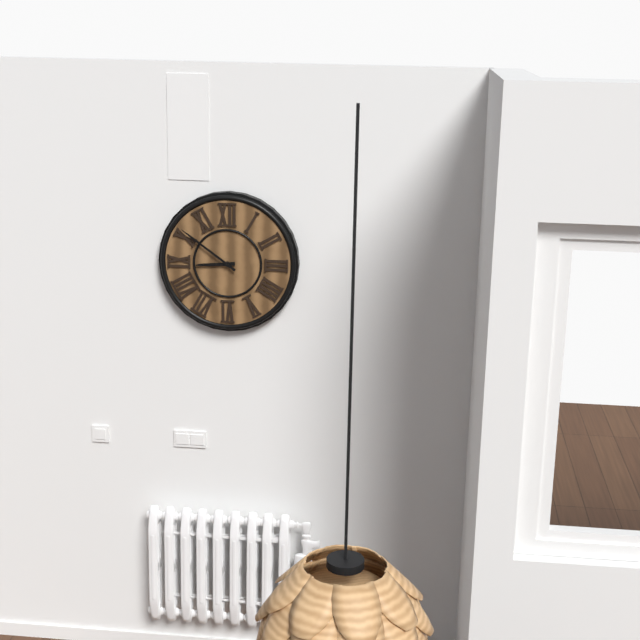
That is 8 h 51 min
